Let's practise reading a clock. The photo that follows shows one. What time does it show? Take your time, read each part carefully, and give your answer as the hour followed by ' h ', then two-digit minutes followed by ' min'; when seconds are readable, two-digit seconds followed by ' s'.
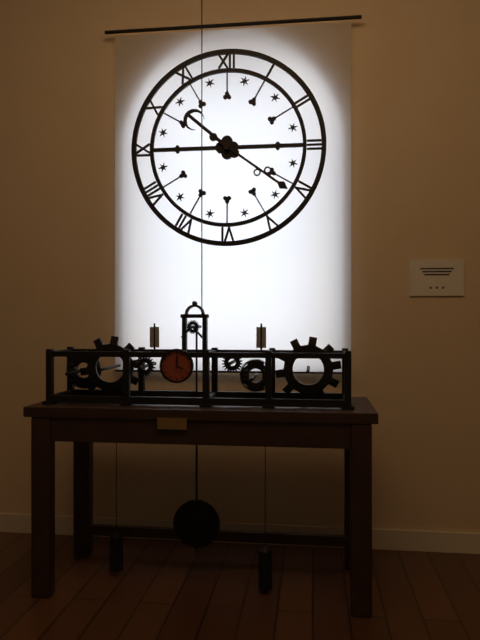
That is 10 h 21 min
